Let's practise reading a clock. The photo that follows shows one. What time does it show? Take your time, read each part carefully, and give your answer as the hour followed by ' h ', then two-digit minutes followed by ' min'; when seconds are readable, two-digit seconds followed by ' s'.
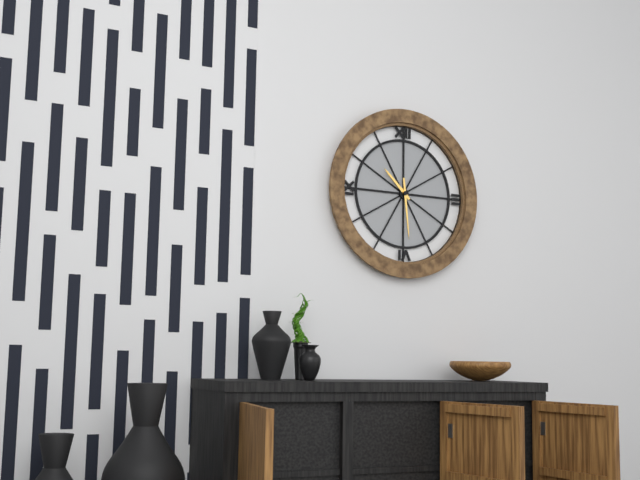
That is 10 h 29 min
